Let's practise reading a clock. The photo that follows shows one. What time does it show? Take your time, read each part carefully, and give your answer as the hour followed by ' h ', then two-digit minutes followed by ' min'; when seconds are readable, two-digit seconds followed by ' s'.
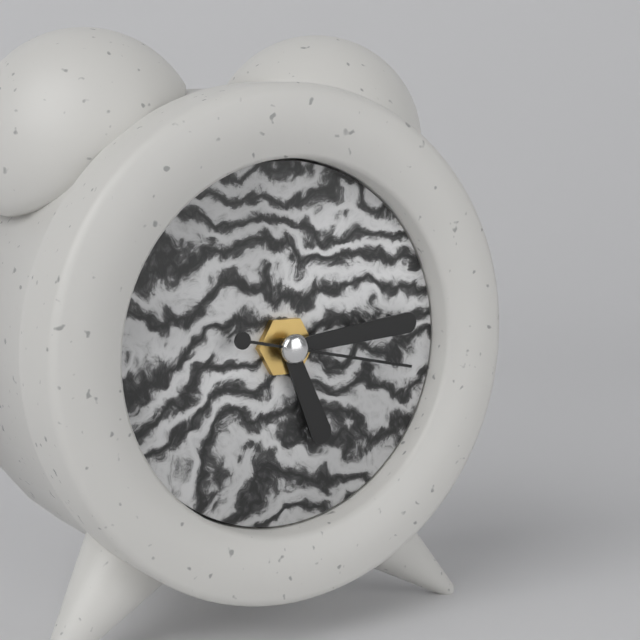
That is 5 h 14 min 17 s
